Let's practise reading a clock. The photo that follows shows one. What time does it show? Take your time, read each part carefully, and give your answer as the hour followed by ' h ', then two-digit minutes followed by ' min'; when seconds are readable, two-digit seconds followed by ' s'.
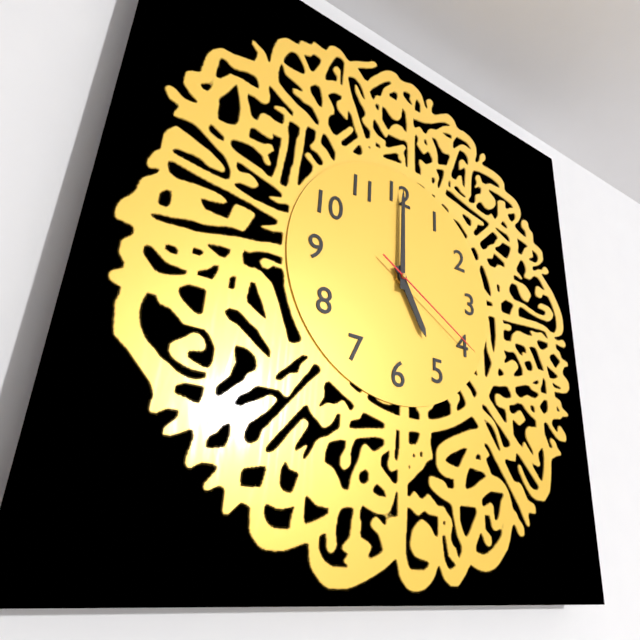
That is 5 h 00 min 20 s
